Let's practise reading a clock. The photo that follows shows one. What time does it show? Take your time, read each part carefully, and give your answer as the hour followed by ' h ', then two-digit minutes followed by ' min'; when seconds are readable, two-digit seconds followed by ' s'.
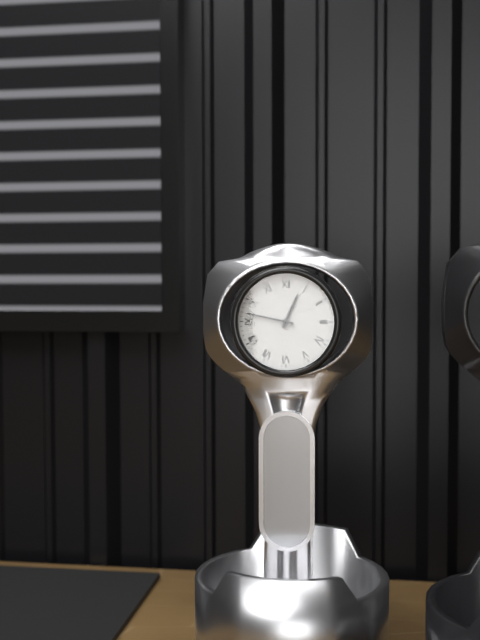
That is 12 h 47 min
